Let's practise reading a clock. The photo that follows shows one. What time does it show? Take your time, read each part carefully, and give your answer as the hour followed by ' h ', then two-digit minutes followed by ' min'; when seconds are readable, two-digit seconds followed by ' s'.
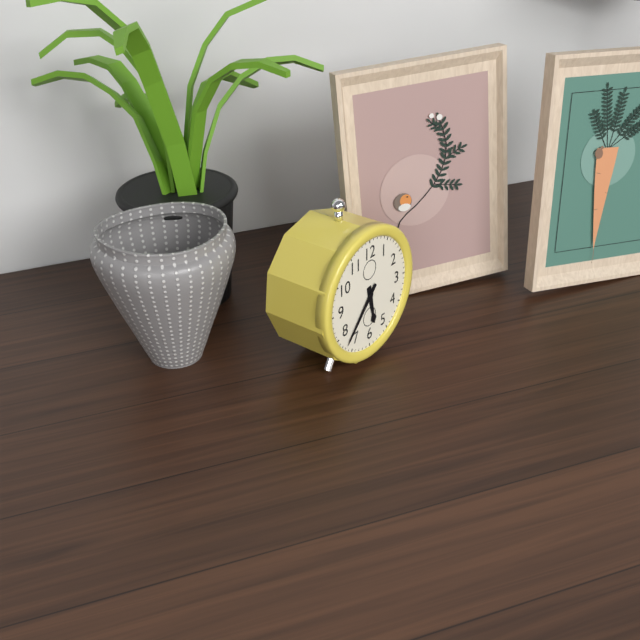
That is 5 h 37 min
